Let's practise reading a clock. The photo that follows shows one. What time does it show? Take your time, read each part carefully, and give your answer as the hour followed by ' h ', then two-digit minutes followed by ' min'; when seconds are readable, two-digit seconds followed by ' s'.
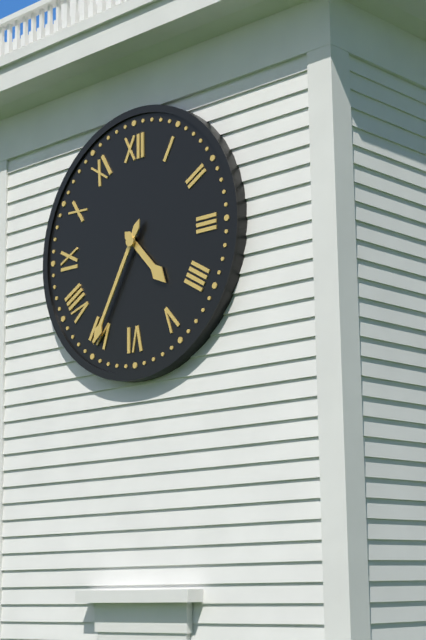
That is 4 h 35 min
